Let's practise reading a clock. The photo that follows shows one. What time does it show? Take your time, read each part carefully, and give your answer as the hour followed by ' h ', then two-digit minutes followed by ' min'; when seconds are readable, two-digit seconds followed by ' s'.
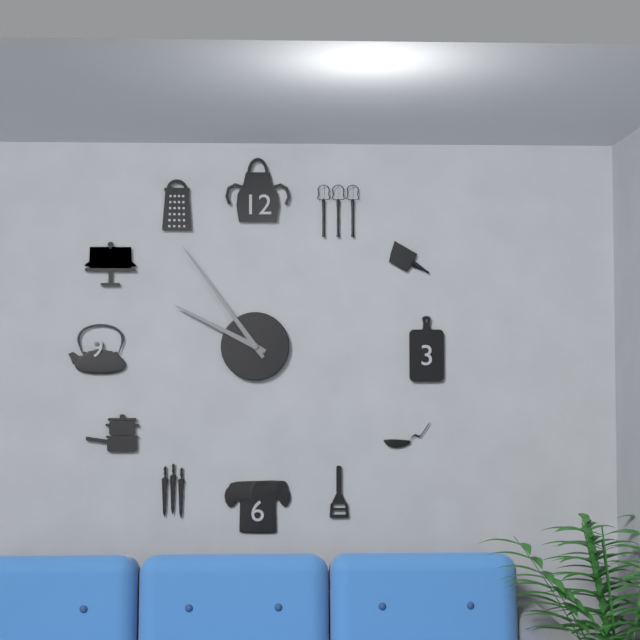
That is 9 h 54 min
